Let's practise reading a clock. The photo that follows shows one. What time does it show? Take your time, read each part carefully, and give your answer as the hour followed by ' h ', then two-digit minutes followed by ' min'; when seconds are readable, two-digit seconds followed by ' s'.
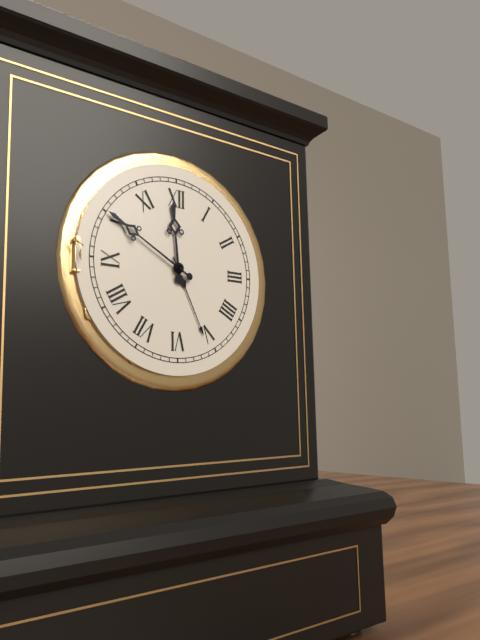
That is 11 h 50 min
